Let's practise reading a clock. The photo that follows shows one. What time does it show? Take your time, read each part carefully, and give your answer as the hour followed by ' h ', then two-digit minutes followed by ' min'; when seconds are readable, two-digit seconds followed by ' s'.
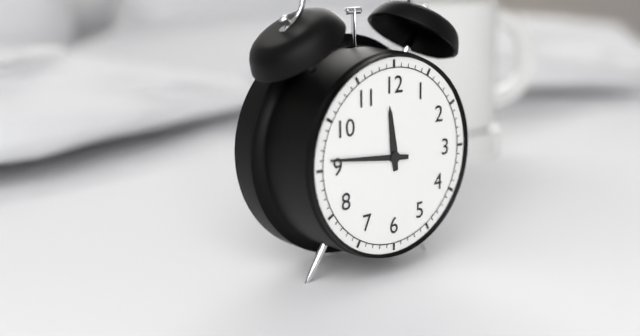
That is 11 h 46 min
